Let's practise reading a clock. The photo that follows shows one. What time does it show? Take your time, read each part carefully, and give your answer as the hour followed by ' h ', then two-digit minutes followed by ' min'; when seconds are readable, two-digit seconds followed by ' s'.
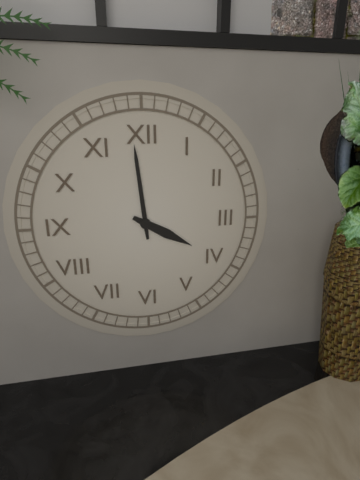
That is 3 h 59 min
